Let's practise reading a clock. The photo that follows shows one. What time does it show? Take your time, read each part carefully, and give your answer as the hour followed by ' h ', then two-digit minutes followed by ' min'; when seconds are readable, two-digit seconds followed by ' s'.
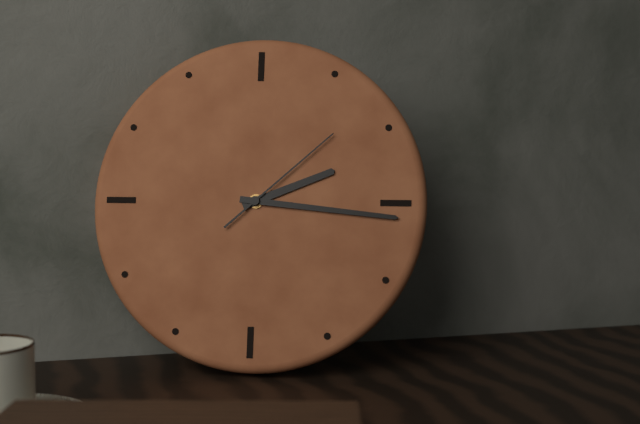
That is 2 h 16 min 08 s
